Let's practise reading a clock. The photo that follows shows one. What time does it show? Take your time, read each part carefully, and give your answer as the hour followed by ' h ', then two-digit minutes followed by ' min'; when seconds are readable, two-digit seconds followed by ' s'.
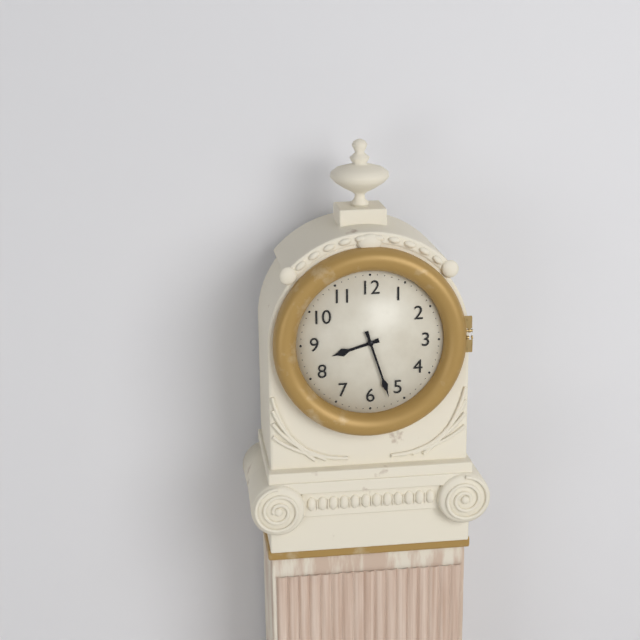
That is 8 h 27 min
